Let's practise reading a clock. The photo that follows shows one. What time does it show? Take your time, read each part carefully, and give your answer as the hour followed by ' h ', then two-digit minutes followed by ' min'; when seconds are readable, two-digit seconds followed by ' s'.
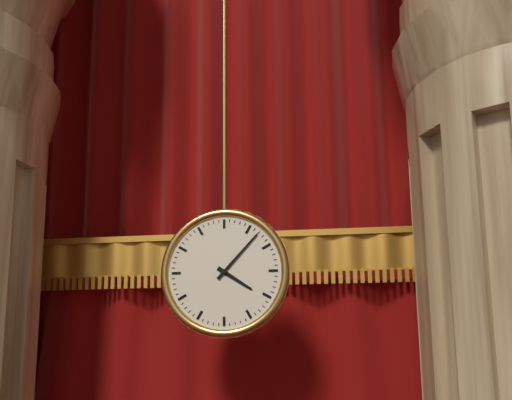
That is 4 h 07 min
